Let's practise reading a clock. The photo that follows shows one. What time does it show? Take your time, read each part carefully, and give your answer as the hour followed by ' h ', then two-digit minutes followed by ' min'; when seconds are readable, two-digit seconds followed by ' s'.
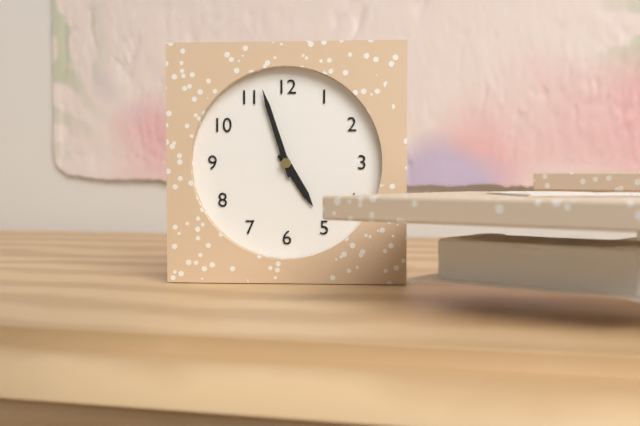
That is 4 h 57 min
